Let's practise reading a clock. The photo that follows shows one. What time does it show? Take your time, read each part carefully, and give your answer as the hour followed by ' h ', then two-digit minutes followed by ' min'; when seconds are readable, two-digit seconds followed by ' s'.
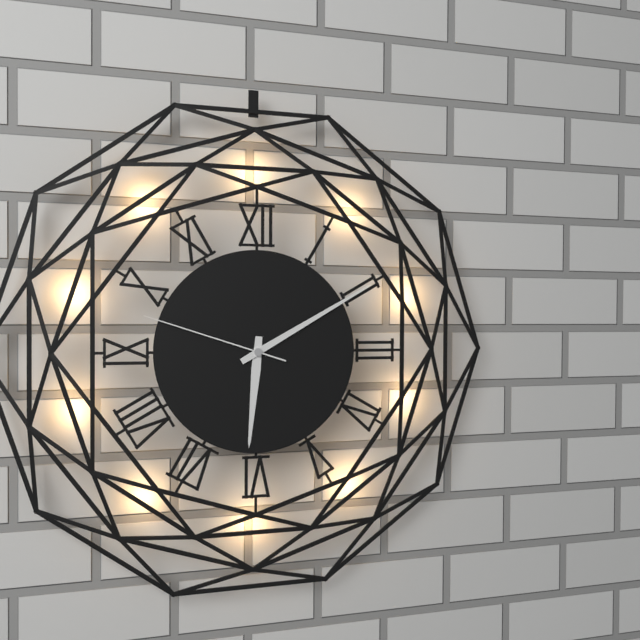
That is 6 h 10 min 48 s
